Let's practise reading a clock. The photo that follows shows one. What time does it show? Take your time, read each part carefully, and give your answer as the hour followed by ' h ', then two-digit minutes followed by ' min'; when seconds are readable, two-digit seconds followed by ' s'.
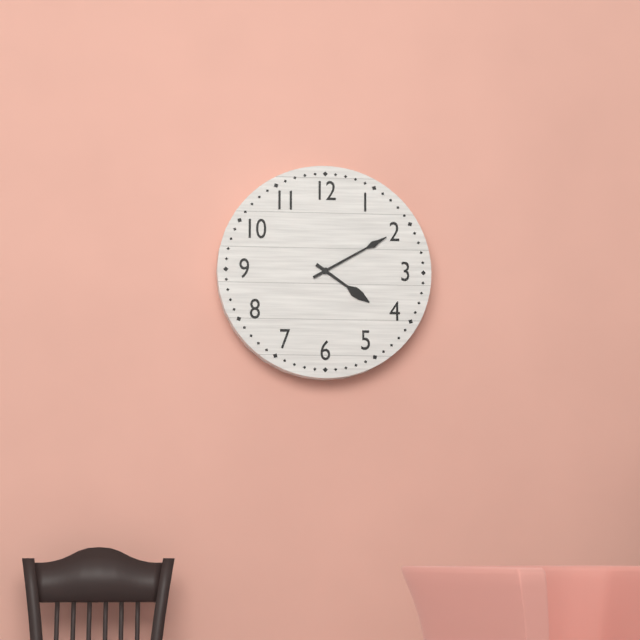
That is 4 h 10 min
